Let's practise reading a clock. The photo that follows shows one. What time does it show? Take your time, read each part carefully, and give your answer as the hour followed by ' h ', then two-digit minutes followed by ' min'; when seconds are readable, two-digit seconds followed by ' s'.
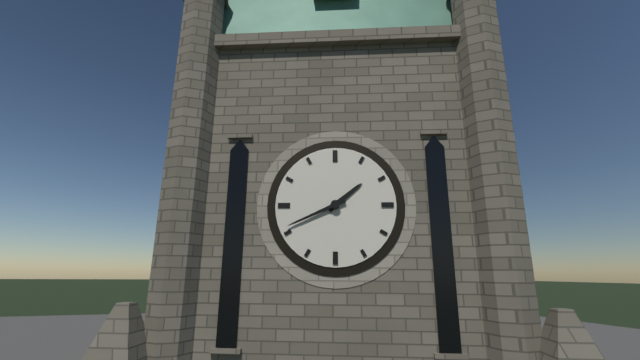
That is 1 h 41 min
